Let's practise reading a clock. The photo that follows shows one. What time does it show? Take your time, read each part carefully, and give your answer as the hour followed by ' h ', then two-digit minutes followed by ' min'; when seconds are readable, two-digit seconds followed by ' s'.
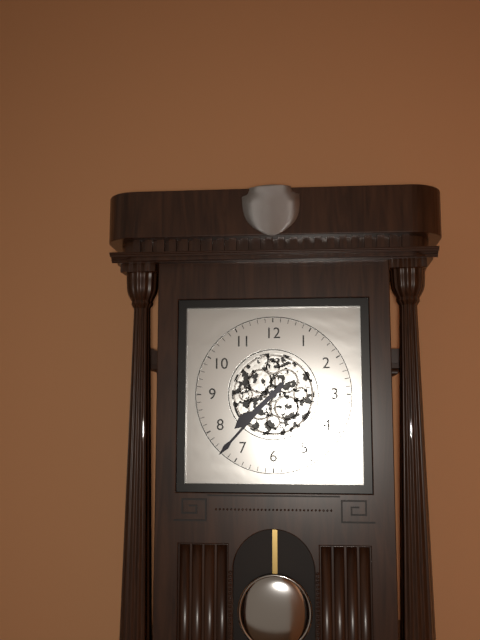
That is 7 h 37 min
